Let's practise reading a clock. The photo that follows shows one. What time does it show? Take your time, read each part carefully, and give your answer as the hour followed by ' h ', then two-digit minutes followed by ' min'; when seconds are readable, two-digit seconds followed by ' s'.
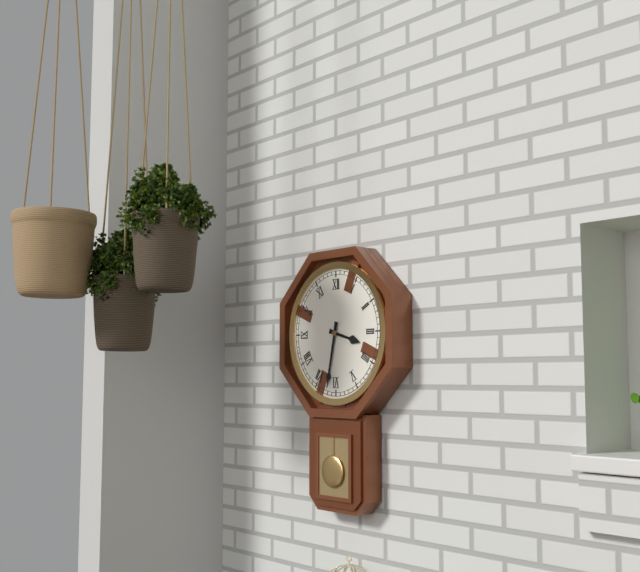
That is 3 h 32 min
